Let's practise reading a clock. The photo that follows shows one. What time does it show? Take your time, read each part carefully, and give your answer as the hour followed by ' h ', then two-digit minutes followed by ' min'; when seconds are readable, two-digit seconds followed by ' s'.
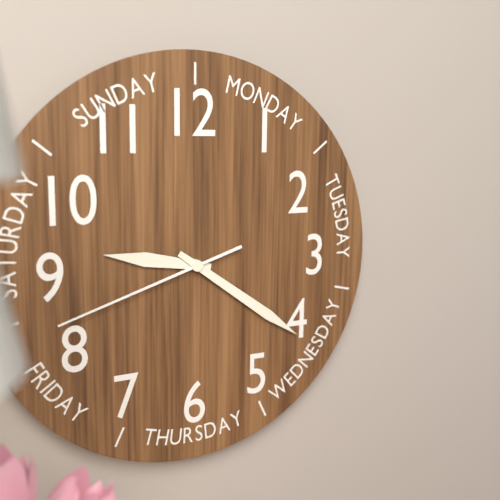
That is 9 h 21 min 42 s
